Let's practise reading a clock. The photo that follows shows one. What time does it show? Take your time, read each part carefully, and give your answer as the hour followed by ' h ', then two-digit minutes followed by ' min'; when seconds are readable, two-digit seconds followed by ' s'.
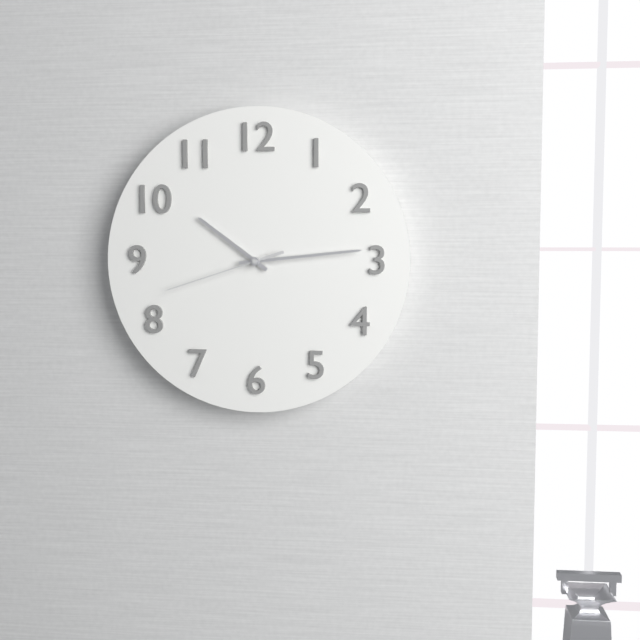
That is 10 h 14 min 42 s
